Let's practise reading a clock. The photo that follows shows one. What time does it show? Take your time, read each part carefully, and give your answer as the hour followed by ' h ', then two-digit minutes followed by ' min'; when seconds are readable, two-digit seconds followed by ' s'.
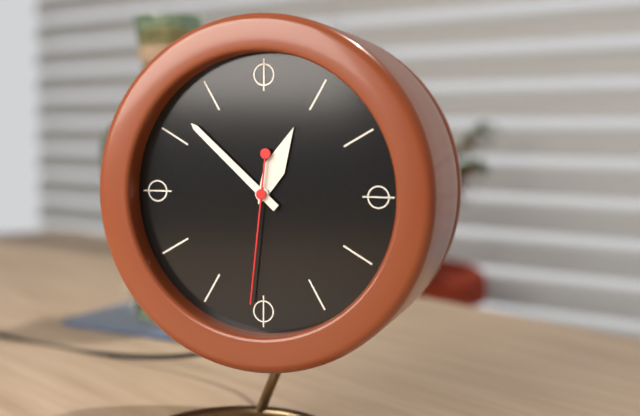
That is 12 h 52 min 31 s
